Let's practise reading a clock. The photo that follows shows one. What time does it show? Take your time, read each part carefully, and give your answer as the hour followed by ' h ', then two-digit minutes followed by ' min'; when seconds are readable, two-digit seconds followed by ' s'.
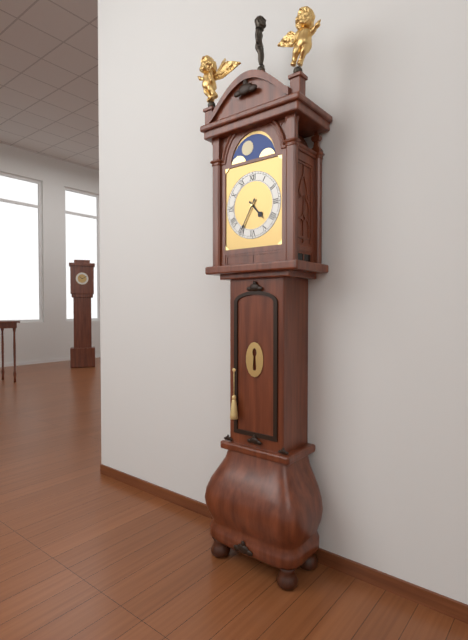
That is 4 h 35 min
